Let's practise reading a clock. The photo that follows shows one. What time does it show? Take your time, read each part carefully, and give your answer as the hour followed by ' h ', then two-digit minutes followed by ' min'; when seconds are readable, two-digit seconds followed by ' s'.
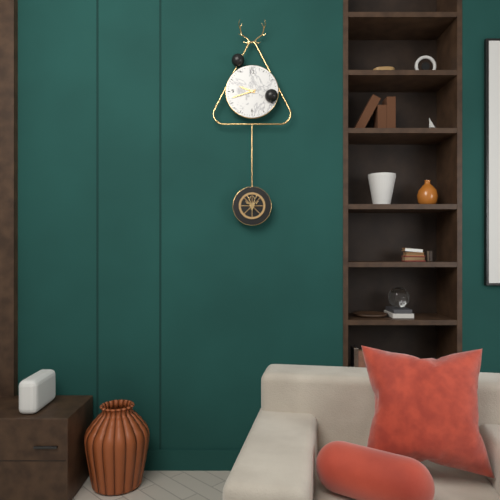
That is 9 h 42 min
